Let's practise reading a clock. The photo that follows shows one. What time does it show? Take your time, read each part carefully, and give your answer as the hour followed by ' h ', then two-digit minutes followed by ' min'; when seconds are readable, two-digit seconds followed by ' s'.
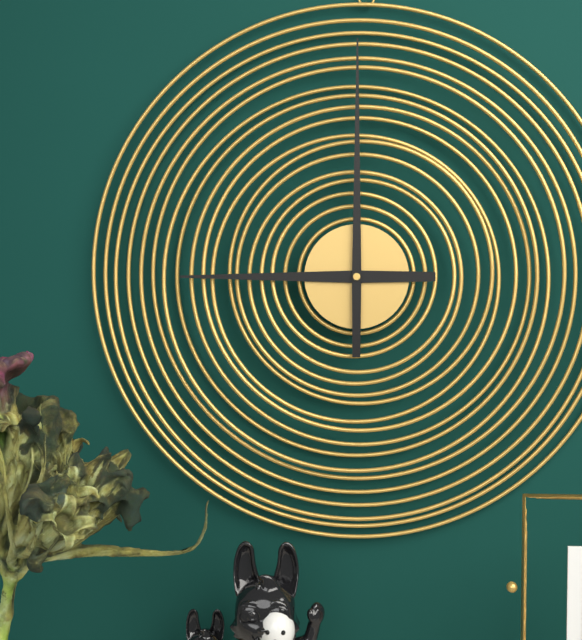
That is 9 h 00 min
